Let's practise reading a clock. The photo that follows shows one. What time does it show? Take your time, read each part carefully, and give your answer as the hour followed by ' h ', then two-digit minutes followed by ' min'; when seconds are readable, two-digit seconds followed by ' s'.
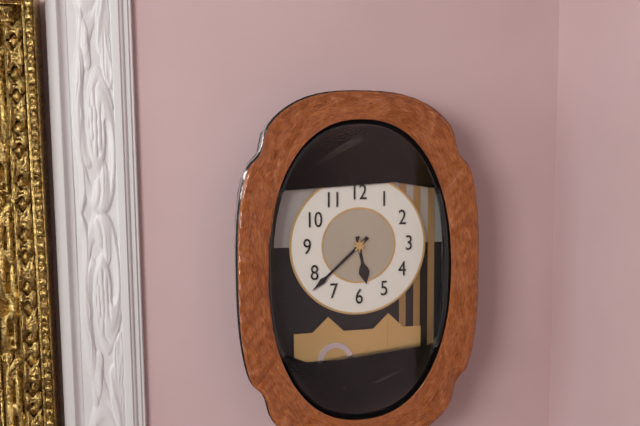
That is 5 h 38 min
